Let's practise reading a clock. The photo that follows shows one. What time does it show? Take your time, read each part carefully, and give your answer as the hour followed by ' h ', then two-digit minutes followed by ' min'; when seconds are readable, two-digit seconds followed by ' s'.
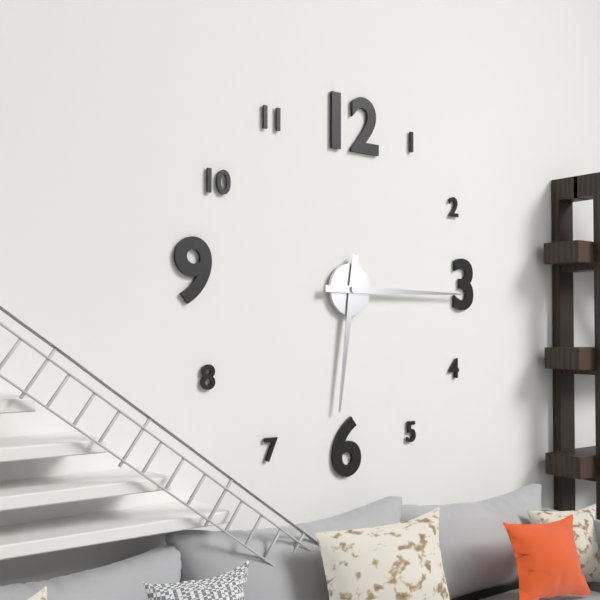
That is 6 h 15 min
